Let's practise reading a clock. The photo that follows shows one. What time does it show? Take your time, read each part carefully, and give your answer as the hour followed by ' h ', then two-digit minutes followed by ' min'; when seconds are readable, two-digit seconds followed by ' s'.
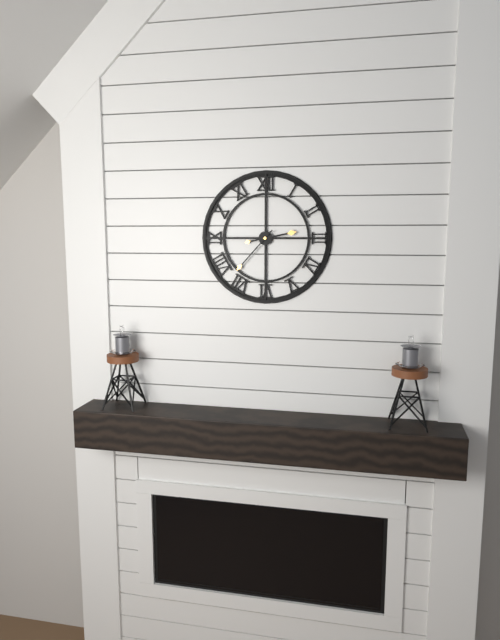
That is 2 h 37 min
